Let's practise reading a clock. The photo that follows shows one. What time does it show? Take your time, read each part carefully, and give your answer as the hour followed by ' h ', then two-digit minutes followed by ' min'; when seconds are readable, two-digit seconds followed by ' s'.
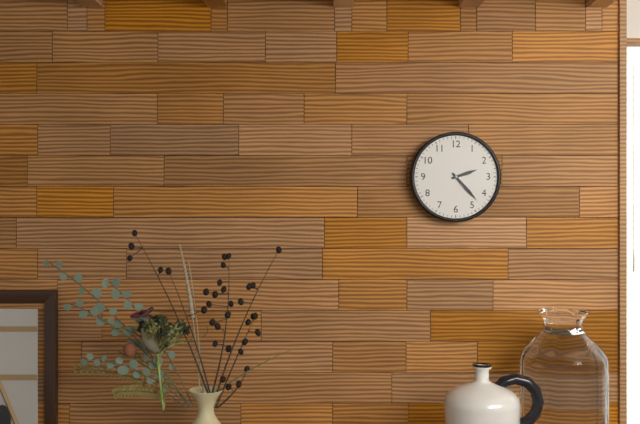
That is 2 h 23 min
